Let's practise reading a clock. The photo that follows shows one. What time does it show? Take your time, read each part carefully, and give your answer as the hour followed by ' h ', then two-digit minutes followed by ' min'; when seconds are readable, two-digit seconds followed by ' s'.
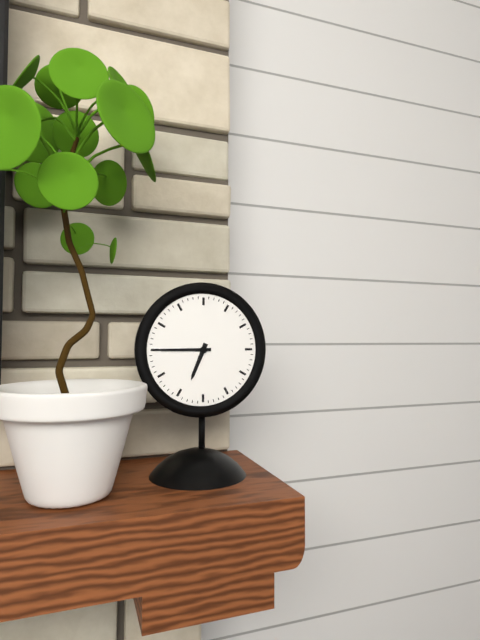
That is 6 h 45 min
